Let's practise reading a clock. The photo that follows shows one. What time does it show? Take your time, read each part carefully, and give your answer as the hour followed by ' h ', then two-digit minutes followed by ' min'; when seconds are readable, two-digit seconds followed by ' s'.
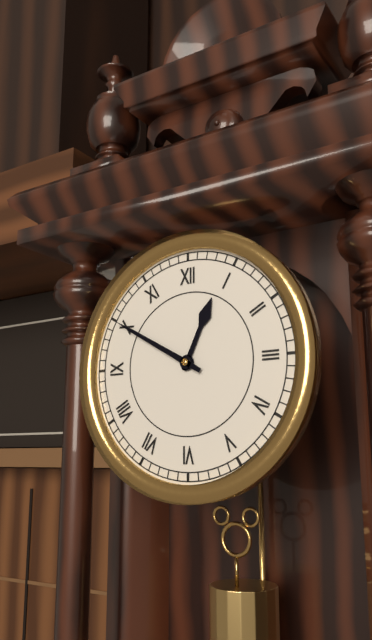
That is 12 h 50 min
